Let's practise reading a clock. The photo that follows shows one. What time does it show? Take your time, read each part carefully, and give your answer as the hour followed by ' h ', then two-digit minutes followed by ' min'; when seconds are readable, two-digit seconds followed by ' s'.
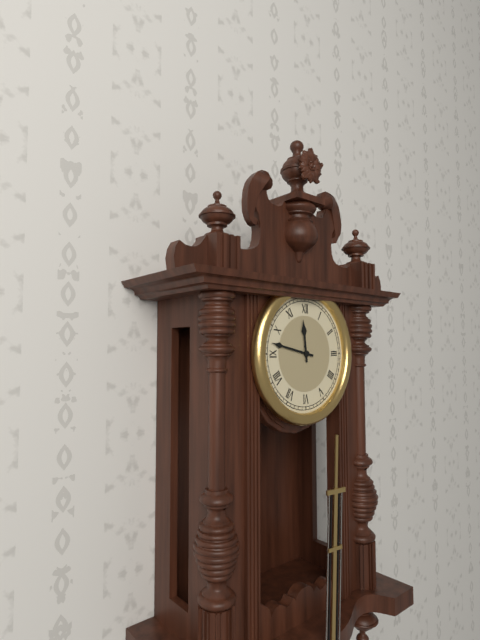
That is 11 h 47 min
